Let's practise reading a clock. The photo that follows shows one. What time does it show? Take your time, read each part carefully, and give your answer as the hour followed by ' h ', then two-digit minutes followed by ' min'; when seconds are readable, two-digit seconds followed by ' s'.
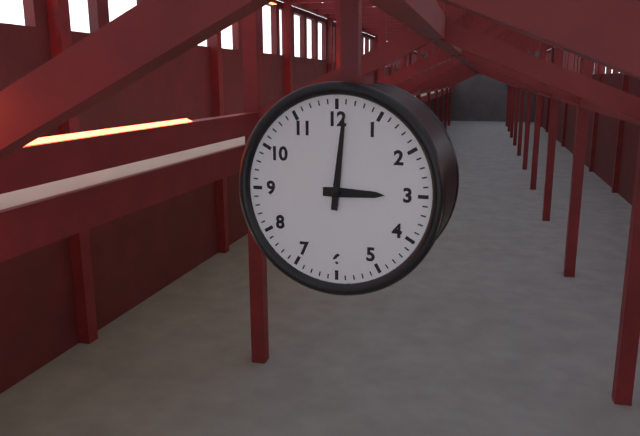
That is 3 h 01 min
